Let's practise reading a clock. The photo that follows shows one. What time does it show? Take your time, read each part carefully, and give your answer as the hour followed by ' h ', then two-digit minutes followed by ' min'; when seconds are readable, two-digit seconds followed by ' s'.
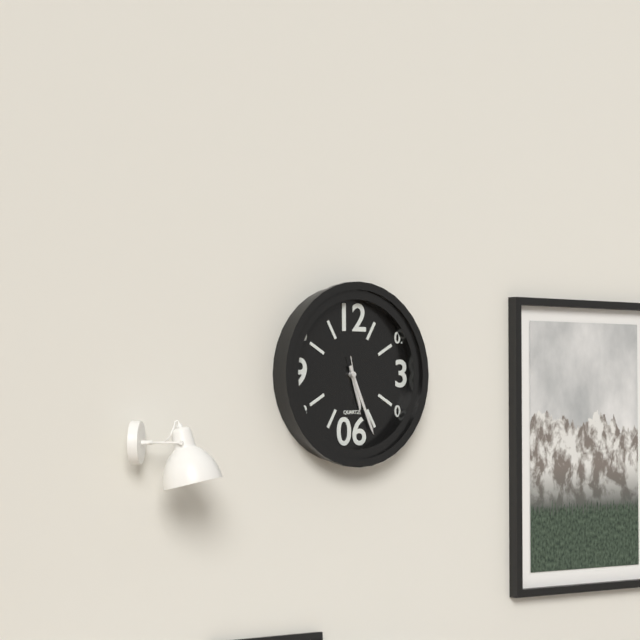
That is 5 h 26 min 28 s
